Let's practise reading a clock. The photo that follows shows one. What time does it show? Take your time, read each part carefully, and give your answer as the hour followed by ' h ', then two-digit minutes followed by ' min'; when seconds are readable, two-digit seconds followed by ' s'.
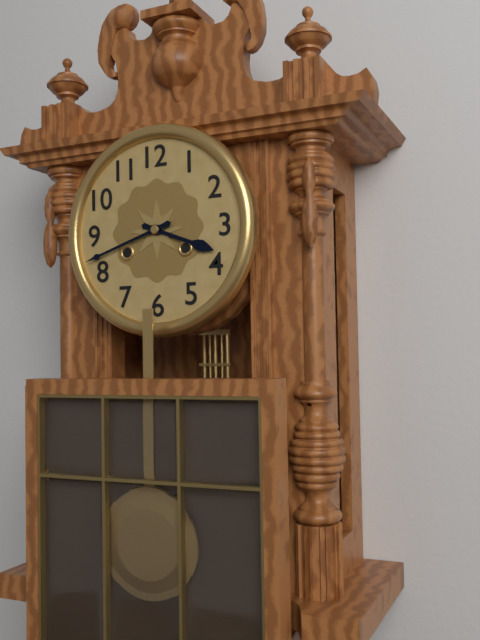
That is 3 h 42 min
